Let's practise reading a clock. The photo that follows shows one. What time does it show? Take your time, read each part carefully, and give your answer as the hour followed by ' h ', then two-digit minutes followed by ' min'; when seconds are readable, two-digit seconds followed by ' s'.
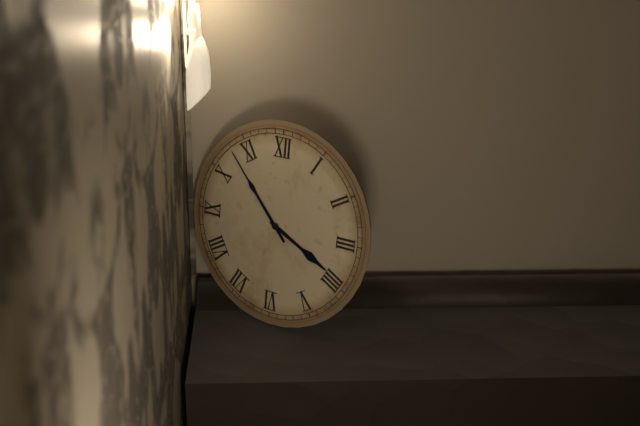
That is 3 h 53 min
